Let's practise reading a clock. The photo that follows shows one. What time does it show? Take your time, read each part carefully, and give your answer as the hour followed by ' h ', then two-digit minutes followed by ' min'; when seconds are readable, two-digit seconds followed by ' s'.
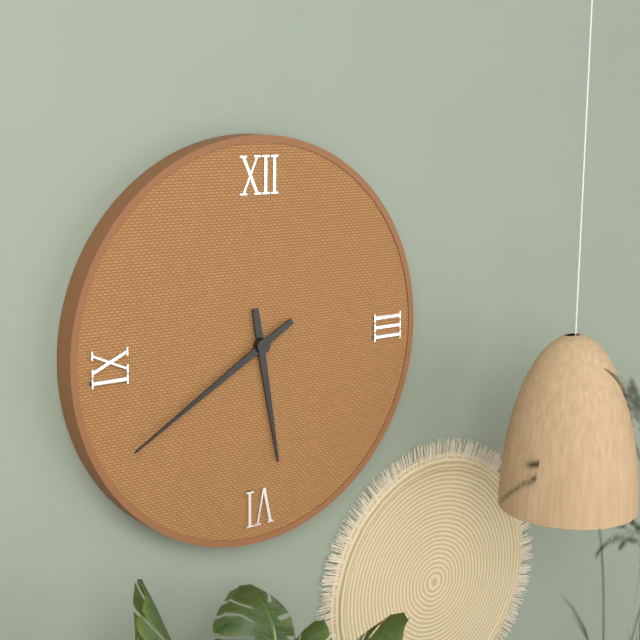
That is 5 h 40 min
